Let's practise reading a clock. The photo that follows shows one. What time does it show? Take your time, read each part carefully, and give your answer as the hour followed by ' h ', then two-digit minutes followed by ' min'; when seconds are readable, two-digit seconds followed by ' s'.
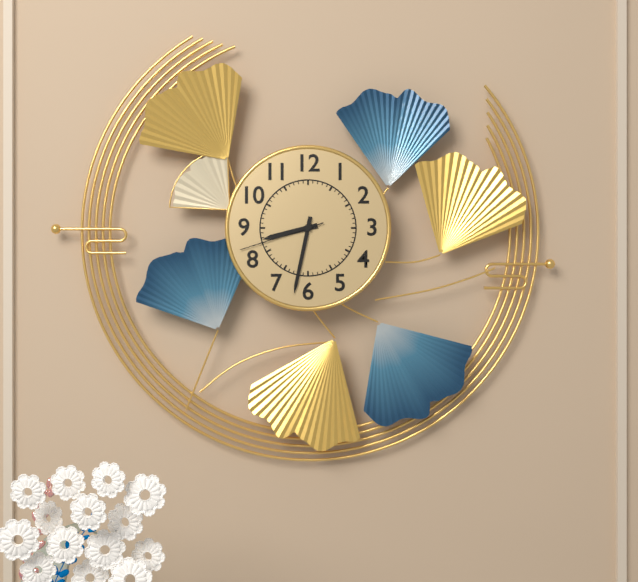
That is 8 h 32 min 42 s
